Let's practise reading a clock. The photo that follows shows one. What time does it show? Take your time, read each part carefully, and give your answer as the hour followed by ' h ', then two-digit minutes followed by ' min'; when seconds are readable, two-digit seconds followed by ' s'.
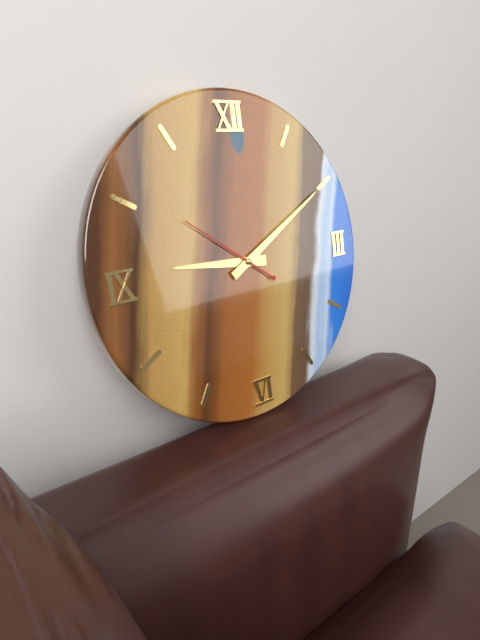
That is 9 h 10 min 51 s
